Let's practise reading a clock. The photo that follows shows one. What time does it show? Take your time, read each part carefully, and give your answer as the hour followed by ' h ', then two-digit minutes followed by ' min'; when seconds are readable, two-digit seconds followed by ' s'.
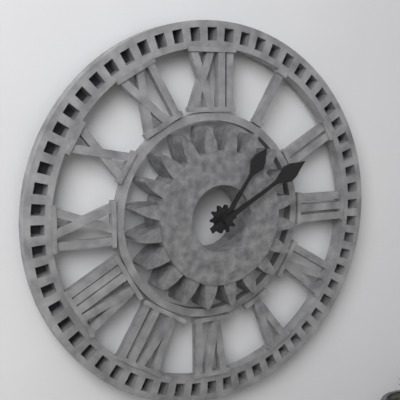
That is 1 h 10 min
